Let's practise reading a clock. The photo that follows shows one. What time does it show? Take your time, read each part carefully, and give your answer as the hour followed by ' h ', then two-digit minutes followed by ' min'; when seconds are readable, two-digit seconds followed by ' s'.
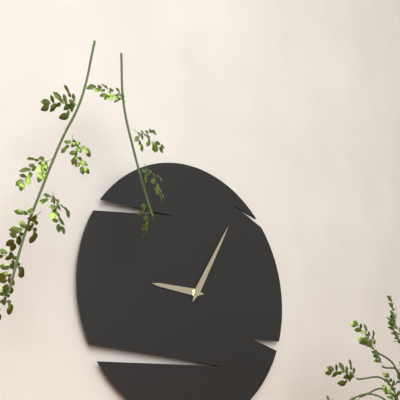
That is 9 h 05 min
